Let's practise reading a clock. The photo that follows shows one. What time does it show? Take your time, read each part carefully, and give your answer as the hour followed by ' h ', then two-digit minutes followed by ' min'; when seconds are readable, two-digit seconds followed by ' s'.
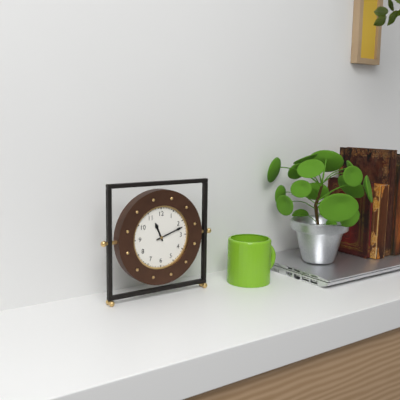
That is 11 h 12 min
